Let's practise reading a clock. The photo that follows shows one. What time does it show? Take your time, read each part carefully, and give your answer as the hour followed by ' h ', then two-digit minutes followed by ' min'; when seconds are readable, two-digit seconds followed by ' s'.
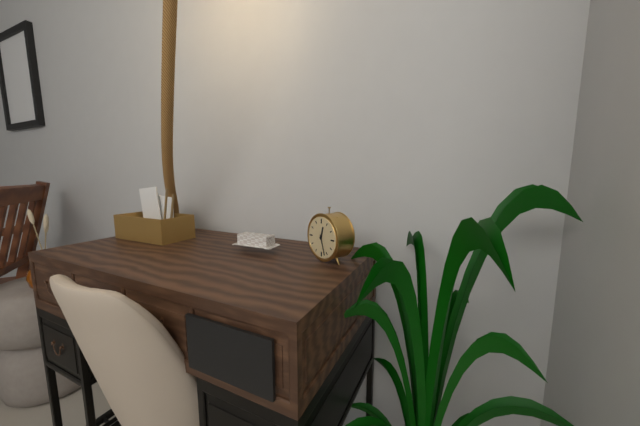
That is 12 h 27 min
